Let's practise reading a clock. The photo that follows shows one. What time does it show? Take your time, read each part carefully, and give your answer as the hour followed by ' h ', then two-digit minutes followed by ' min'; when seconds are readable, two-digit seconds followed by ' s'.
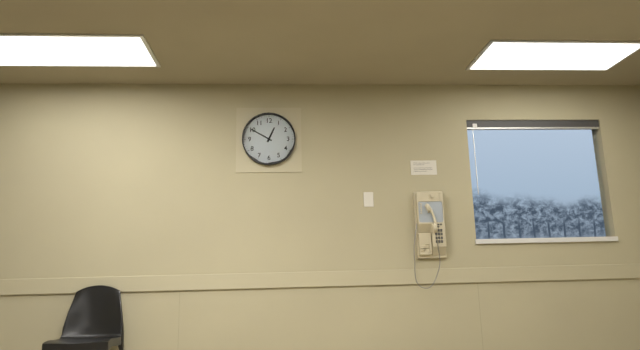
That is 12 h 50 min
